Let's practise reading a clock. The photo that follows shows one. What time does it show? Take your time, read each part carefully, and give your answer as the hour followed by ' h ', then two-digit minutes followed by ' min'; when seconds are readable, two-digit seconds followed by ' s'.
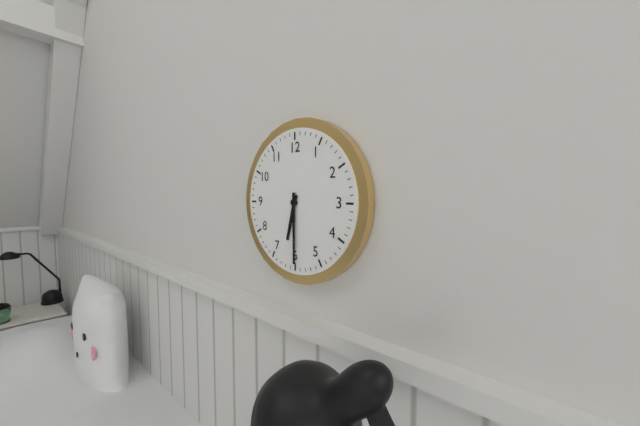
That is 6 h 30 min
